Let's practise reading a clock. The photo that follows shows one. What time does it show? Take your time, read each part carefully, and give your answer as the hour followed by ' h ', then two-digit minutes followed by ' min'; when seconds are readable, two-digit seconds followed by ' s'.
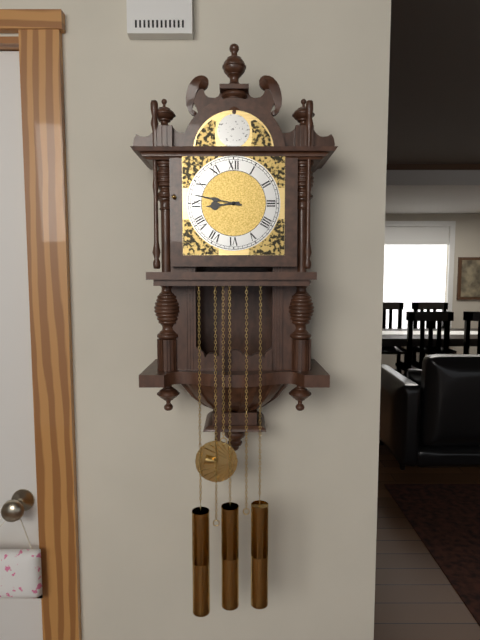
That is 8 h 47 min
